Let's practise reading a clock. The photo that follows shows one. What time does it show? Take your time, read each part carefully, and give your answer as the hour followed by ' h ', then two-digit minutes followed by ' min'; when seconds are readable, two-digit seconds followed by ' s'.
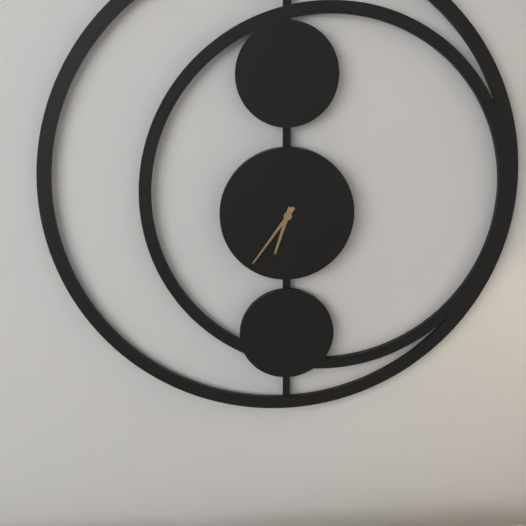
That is 6 h 36 min
